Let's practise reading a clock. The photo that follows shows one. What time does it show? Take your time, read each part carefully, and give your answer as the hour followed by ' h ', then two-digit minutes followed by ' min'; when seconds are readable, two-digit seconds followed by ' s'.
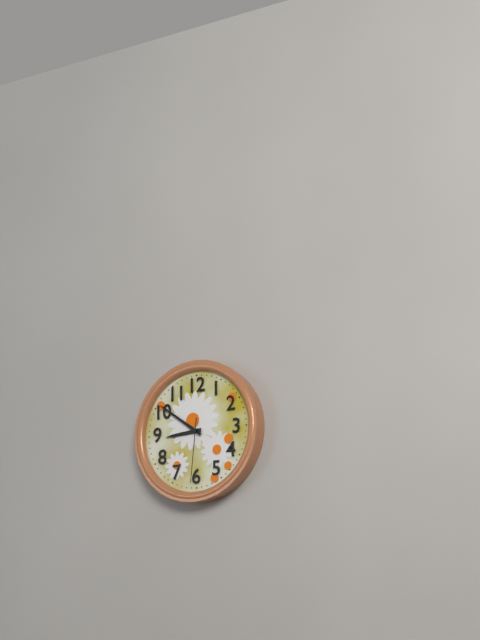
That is 8 h 51 min 31 s
